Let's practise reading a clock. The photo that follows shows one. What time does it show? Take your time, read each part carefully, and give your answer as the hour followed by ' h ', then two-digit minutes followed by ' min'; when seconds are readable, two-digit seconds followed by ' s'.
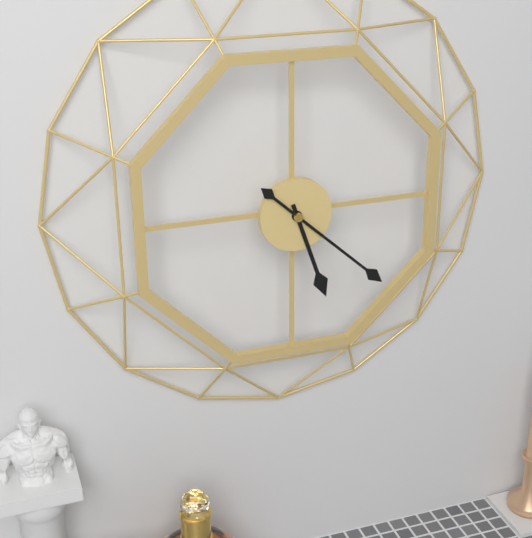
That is 5 h 22 min
